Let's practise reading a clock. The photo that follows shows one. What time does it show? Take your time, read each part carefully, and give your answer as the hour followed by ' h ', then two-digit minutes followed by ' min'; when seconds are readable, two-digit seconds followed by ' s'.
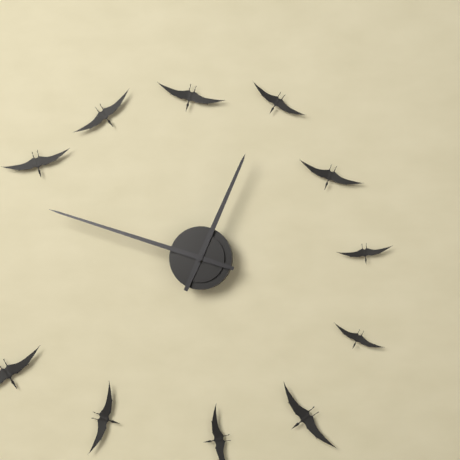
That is 12 h 48 min
